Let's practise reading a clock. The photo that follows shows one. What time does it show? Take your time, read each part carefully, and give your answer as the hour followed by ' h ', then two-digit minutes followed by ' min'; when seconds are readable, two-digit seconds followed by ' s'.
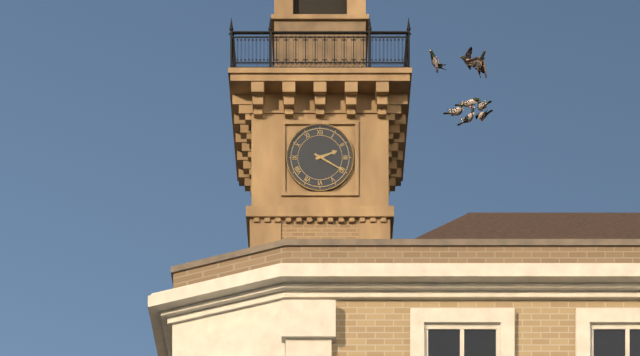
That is 2 h 20 min
